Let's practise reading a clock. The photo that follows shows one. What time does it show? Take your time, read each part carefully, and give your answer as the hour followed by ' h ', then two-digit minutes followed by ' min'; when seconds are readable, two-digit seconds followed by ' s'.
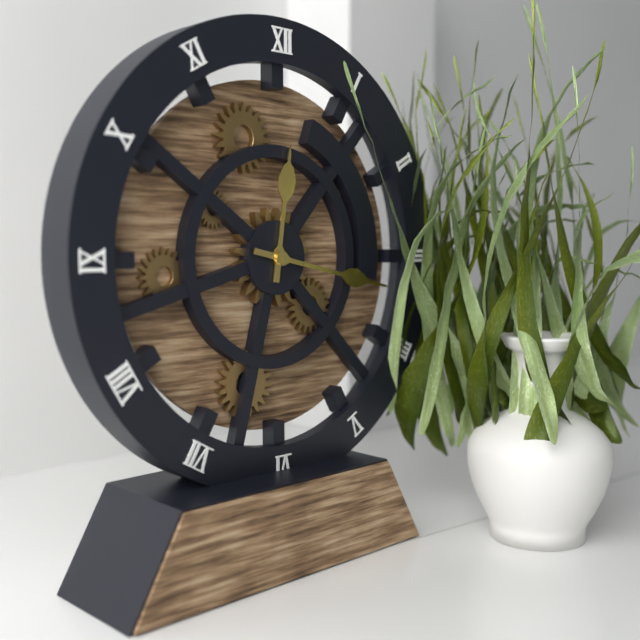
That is 12 h 17 min
